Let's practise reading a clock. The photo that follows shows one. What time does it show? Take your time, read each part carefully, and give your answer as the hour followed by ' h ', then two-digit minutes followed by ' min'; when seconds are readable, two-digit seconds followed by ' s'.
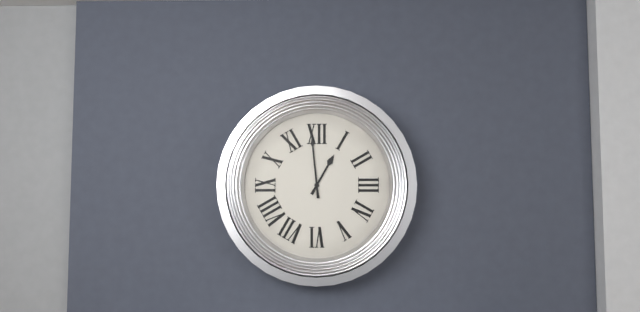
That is 12 h 59 min
